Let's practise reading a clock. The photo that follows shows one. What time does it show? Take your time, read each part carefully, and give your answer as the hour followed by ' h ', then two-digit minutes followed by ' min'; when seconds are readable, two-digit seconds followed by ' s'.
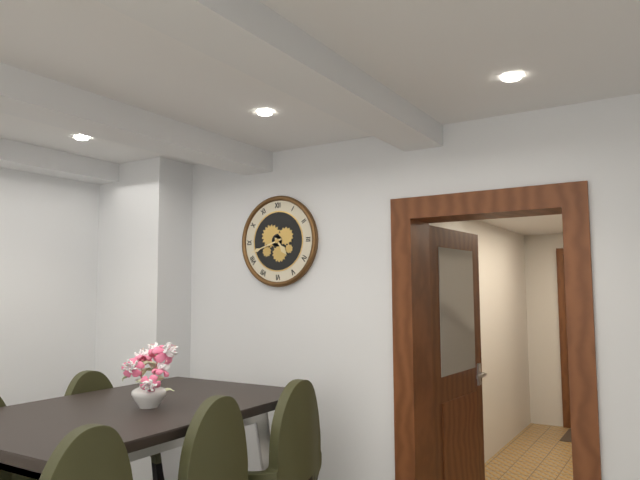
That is 4 h 42 min
